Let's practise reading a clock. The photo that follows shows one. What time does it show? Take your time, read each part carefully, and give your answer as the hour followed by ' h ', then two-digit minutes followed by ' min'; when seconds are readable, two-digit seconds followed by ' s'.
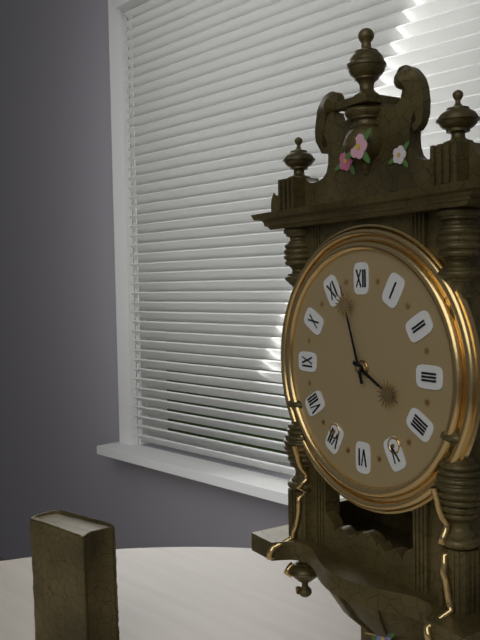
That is 3 h 57 min
